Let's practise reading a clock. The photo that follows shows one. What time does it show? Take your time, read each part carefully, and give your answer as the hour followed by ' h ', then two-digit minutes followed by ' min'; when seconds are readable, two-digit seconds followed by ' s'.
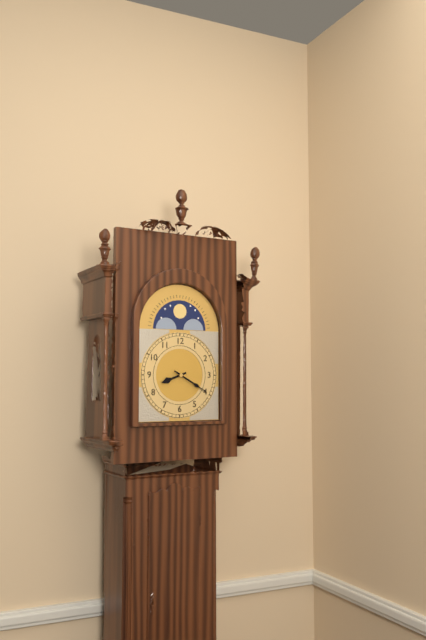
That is 8 h 20 min
